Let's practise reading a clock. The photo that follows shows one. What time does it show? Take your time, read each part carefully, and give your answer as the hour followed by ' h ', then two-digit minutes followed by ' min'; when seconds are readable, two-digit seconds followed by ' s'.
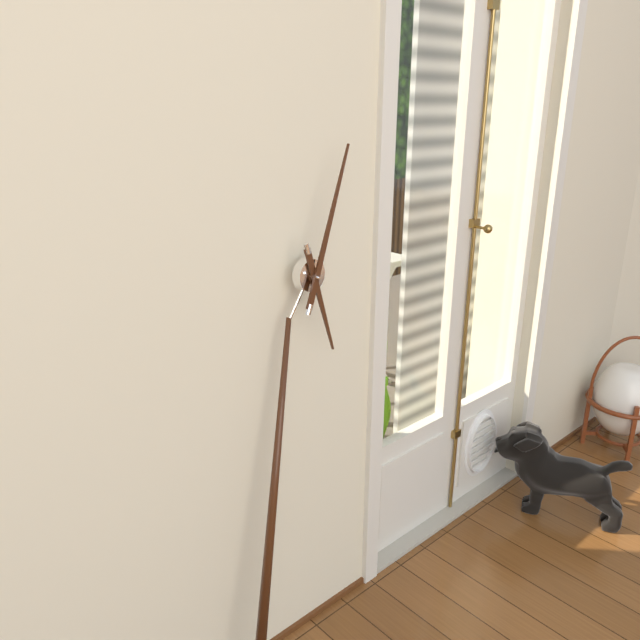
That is 5 h 01 min
